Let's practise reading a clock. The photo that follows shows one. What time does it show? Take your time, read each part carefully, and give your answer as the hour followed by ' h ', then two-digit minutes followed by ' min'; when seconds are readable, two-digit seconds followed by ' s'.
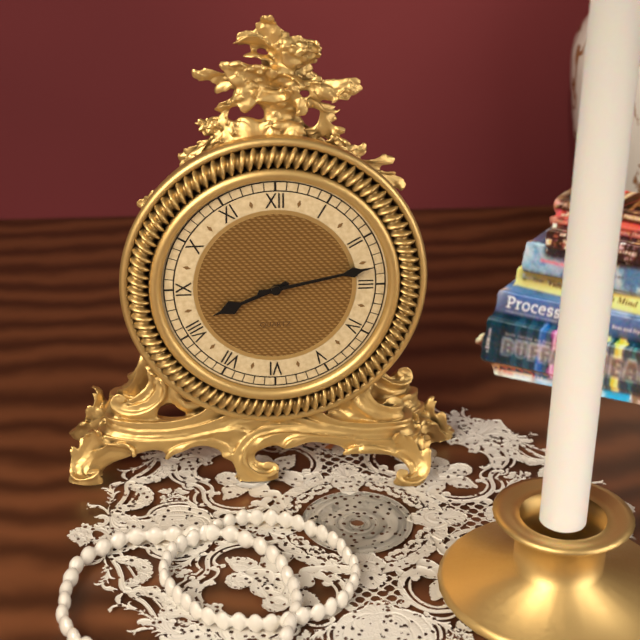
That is 8 h 13 min
